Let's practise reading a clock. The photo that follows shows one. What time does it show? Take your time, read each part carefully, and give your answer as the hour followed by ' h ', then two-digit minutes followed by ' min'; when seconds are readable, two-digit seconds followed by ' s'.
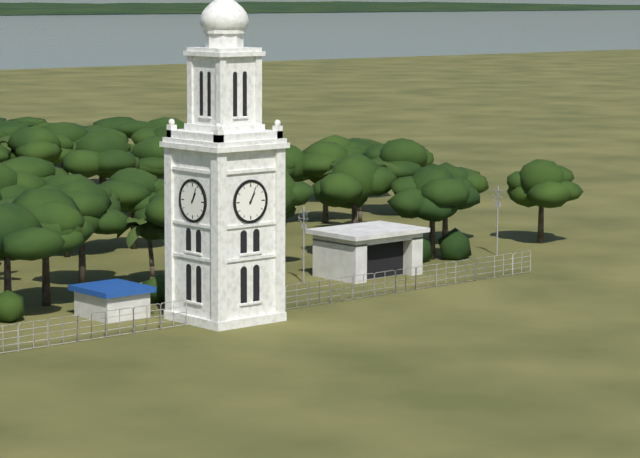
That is 1 h 04 min
